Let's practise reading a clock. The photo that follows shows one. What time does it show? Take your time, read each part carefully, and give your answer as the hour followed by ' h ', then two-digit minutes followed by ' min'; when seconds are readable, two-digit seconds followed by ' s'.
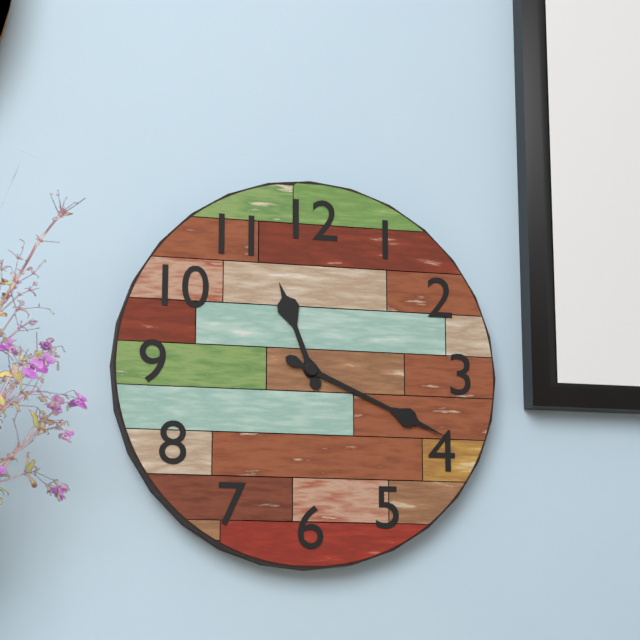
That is 11 h 19 min
